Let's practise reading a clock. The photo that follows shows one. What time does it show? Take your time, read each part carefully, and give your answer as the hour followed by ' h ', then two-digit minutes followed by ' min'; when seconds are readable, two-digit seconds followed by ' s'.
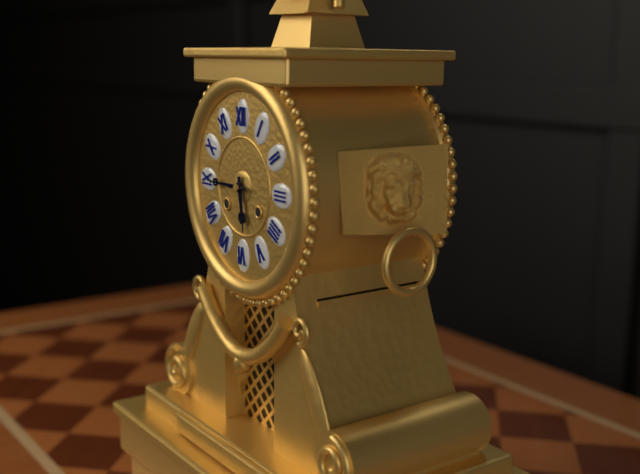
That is 5 h 45 min
